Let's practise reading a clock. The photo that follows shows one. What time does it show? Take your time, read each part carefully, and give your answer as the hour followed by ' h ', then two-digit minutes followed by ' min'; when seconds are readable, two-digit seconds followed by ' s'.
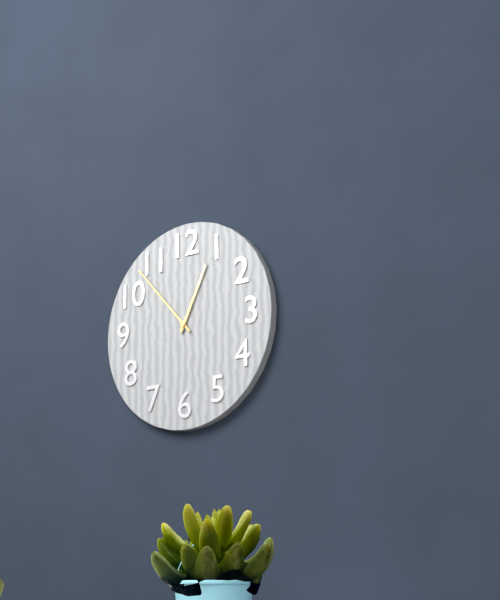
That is 12 h 53 min
